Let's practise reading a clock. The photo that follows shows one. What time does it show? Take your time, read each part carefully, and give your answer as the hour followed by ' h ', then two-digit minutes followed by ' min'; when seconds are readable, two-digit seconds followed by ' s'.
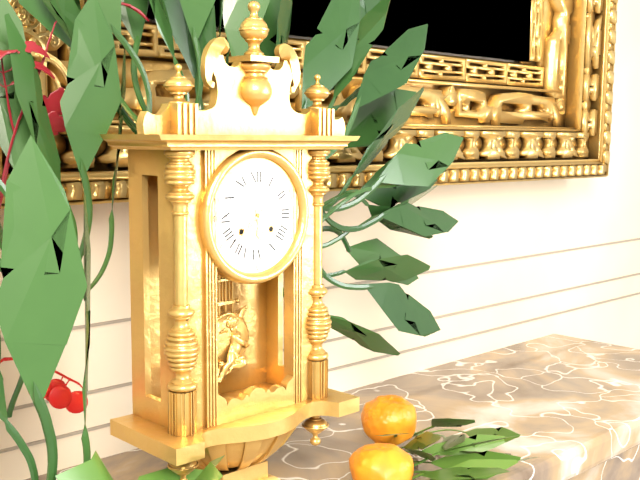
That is 5 h 38 min
